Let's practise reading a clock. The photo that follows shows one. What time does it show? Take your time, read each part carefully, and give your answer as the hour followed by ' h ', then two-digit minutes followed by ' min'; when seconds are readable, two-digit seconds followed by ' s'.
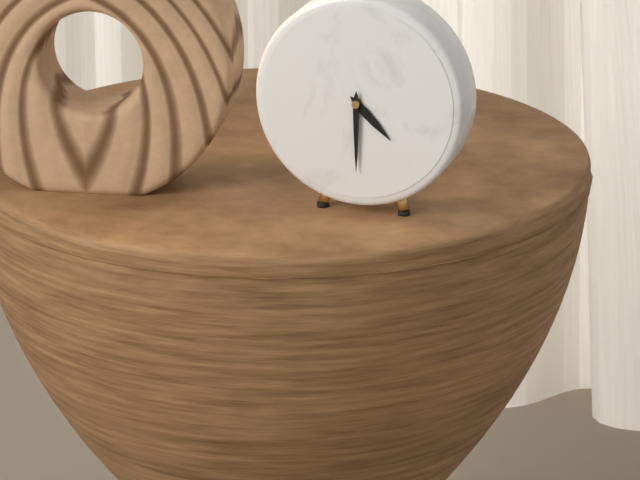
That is 4 h 30 min
